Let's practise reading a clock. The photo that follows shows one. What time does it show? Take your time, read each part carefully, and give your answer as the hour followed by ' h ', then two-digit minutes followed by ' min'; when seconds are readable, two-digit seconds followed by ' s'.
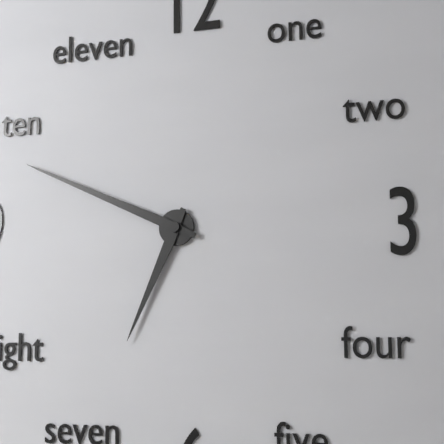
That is 6 h 49 min
